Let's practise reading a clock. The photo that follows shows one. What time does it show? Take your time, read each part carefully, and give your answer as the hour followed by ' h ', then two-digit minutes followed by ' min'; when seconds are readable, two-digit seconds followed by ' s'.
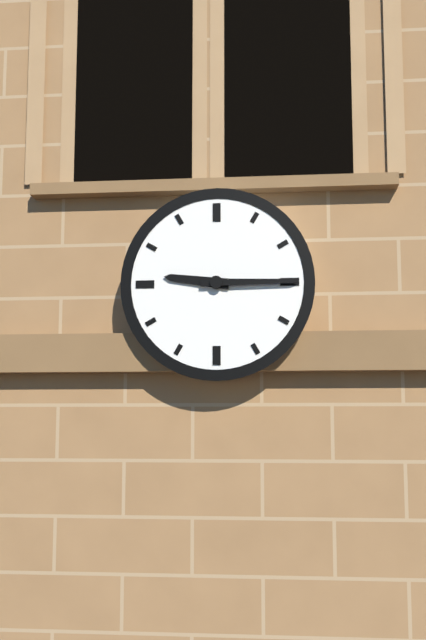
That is 9 h 15 min
